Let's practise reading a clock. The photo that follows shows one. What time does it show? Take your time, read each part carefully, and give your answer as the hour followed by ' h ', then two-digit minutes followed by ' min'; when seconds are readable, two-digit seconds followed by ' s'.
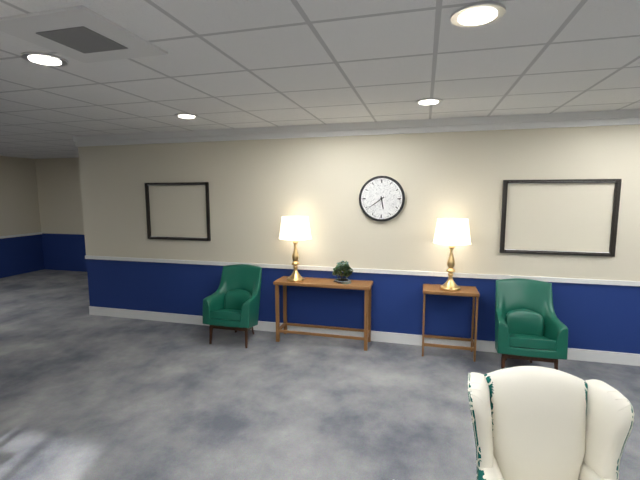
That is 5 h 39 min
